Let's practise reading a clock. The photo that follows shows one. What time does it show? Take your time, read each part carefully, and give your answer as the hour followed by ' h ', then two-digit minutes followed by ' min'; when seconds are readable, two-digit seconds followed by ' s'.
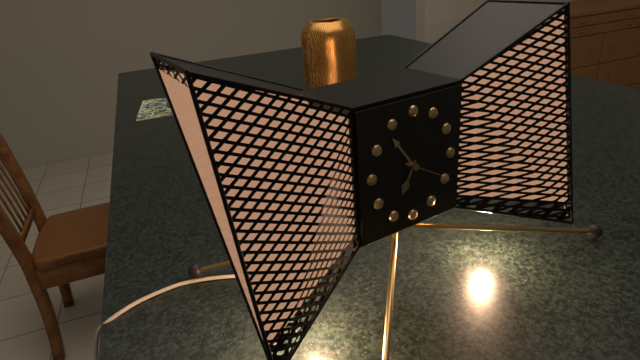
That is 6 h 54 min
